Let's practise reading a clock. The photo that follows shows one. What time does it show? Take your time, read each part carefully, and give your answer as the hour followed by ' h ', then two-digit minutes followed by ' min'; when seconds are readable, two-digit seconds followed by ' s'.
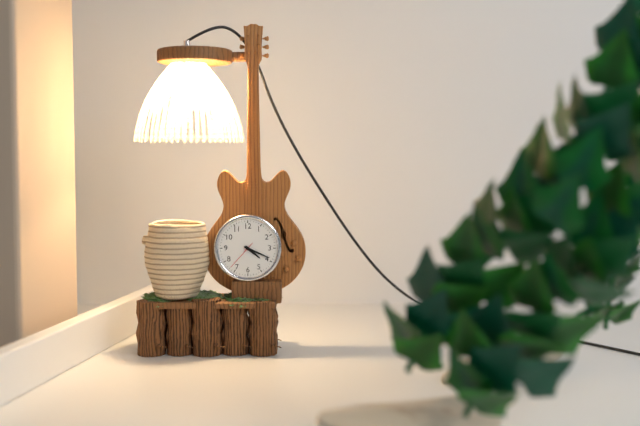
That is 4 h 19 min
